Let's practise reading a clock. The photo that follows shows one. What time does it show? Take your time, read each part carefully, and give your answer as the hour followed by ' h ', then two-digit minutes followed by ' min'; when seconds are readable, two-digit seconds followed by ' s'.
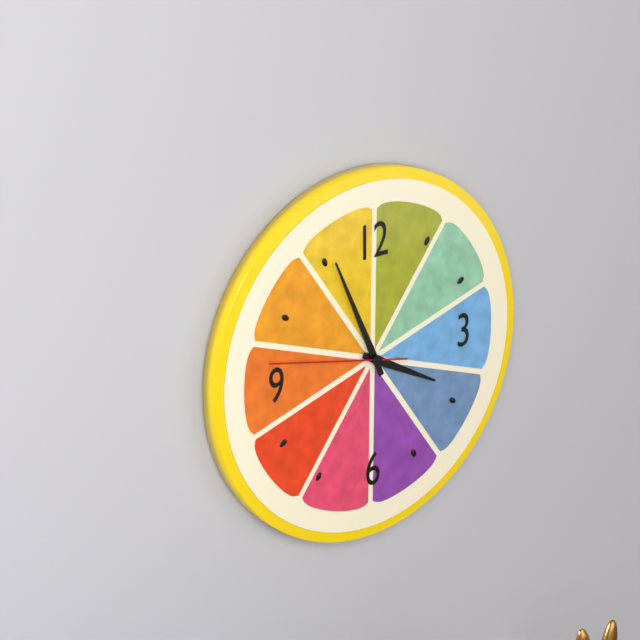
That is 3 h 56 min 47 s
